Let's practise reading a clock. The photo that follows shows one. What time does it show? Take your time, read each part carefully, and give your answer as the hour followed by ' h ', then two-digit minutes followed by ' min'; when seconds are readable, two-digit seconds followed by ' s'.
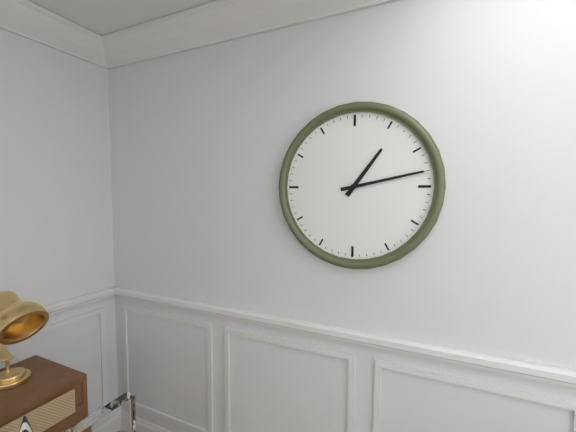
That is 1 h 13 min
